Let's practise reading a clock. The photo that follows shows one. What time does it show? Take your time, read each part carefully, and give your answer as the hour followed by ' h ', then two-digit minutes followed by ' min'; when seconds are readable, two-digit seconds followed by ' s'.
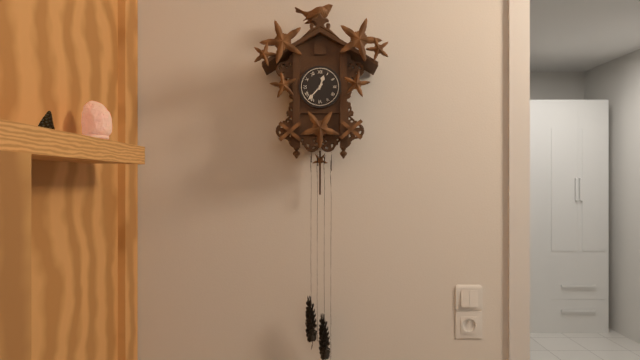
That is 12 h 37 min
